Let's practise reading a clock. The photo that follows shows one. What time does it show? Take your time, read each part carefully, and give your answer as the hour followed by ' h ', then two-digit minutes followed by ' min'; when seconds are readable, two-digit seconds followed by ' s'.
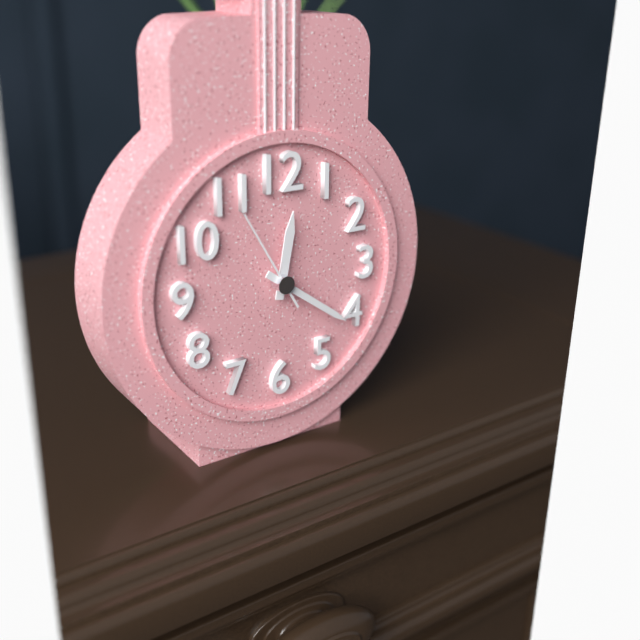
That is 12 h 21 min 55 s
